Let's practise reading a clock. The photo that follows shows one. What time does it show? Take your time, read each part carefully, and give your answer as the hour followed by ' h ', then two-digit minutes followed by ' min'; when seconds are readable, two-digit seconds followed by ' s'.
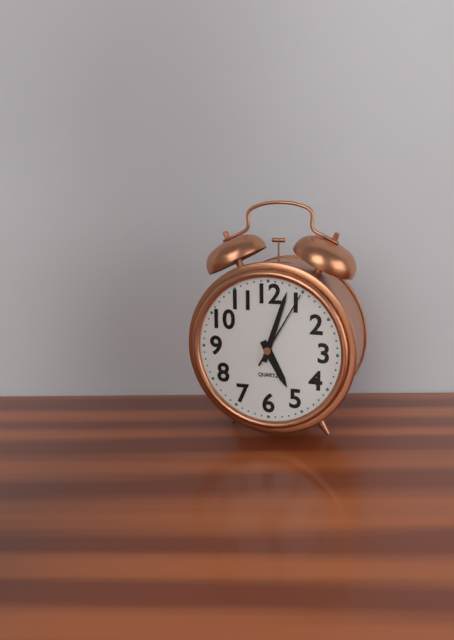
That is 5 h 03 min 05 s
